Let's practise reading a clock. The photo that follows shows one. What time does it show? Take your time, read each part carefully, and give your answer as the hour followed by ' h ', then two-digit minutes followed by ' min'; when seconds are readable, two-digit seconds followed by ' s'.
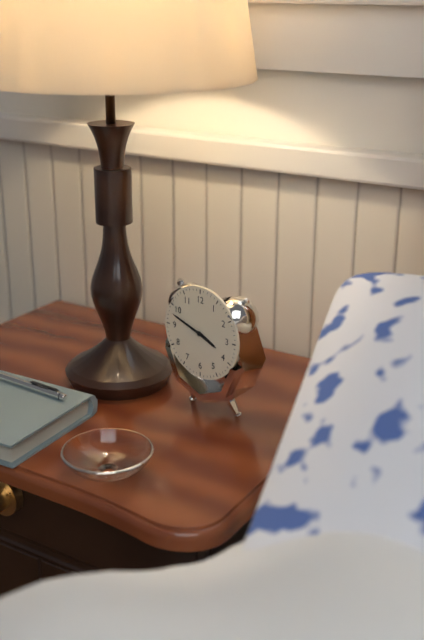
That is 3 h 48 min
